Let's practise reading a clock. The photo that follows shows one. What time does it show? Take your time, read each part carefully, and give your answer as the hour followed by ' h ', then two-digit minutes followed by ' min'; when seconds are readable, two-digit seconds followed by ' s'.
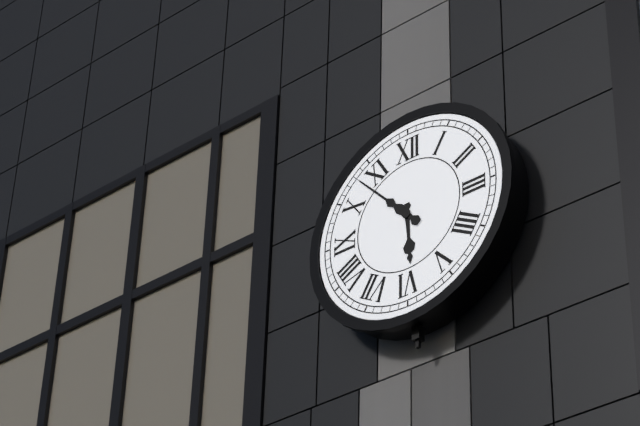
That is 5 h 53 min
